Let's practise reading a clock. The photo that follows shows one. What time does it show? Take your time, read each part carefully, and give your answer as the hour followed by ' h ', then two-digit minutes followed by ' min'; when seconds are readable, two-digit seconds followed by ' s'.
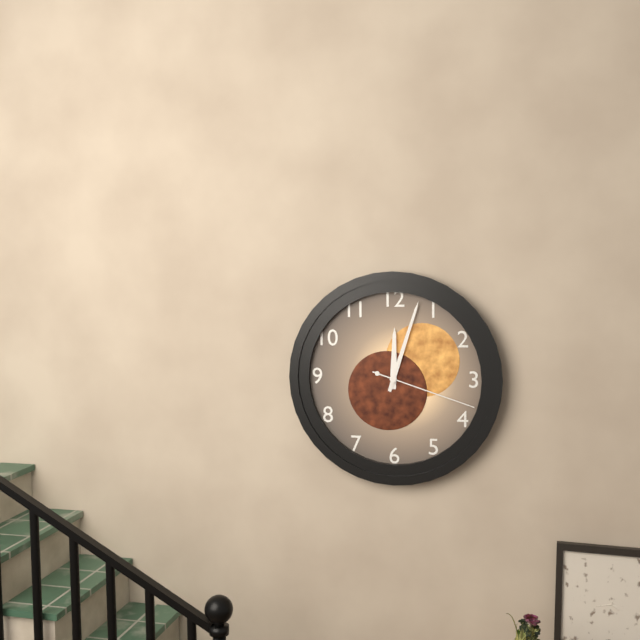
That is 12 h 03 min 18 s
